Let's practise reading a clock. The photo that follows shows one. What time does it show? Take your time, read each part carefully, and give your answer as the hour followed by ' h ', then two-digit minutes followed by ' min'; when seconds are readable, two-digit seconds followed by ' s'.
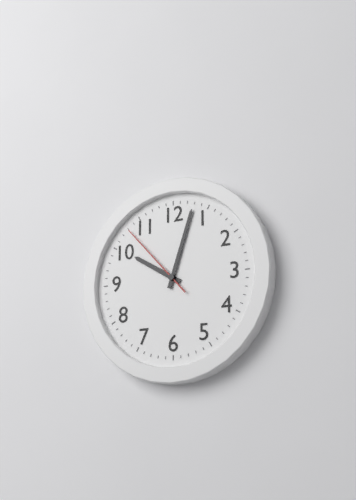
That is 10 h 03 min 53 s
